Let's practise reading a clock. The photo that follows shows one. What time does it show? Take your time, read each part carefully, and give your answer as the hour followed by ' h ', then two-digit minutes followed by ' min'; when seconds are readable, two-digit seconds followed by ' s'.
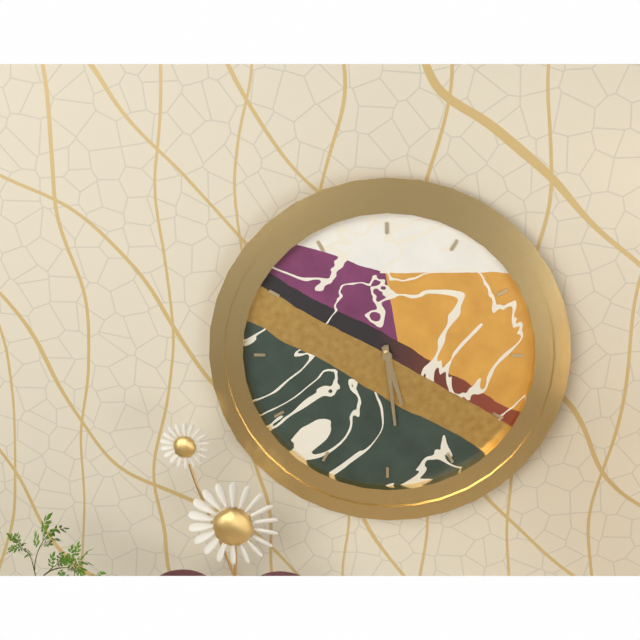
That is 5 h 29 min
